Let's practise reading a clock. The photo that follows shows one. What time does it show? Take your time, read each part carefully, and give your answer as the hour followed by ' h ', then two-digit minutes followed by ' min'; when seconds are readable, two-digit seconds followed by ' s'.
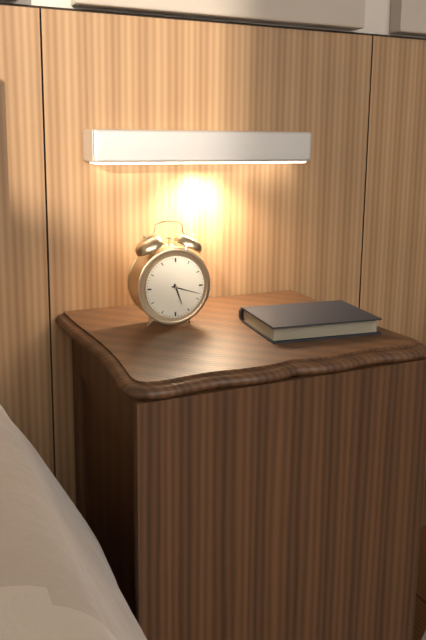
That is 5 h 18 min
